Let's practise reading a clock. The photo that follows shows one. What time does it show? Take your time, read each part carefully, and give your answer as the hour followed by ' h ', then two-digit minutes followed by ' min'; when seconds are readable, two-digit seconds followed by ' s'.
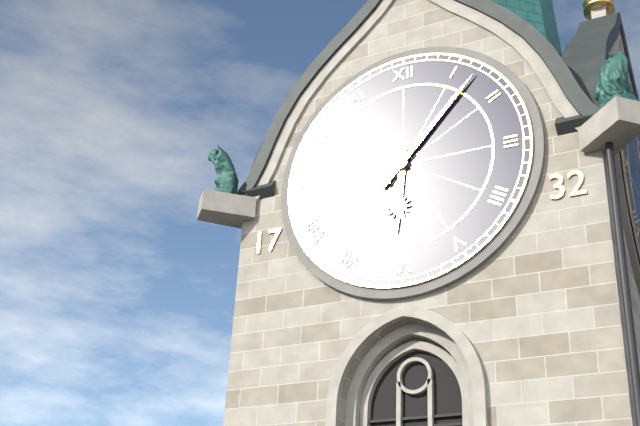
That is 6 h 07 min
